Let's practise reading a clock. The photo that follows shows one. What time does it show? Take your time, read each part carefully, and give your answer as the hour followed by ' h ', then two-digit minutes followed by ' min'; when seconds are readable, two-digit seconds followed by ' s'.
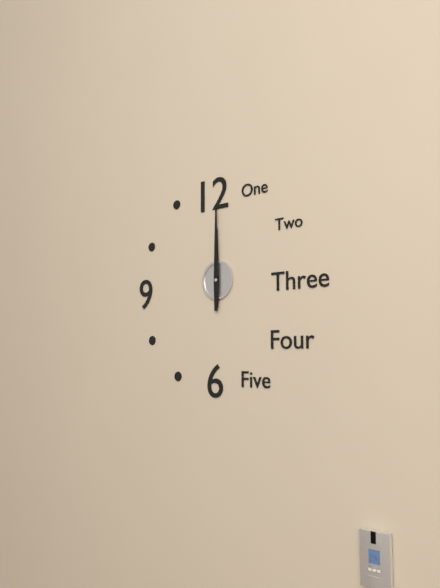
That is 12 h 00 min
